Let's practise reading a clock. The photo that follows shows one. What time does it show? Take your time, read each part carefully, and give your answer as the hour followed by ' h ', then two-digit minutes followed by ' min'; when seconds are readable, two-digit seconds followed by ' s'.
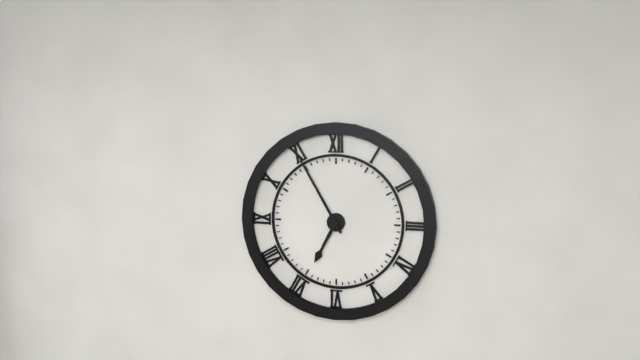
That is 6 h 55 min
